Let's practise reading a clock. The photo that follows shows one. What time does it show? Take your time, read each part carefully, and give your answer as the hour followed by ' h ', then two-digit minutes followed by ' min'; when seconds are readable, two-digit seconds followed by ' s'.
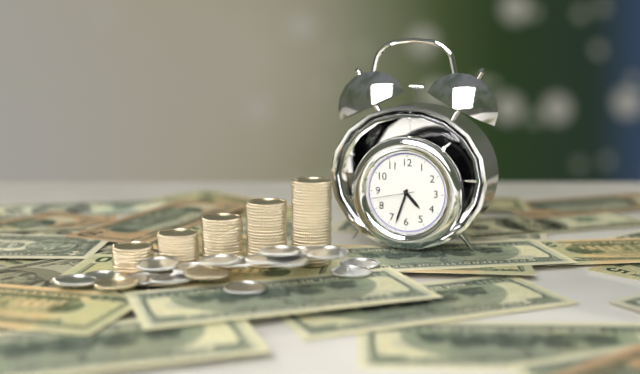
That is 4 h 33 min
